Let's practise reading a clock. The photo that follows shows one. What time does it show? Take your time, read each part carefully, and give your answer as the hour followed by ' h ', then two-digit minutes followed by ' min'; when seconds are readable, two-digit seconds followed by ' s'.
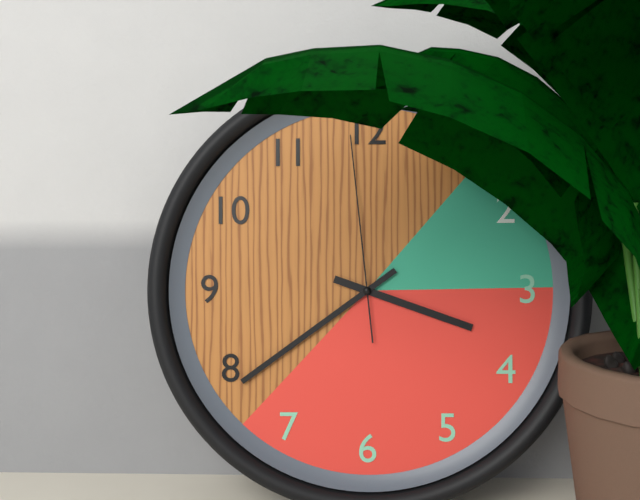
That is 3 h 39 min 59 s
